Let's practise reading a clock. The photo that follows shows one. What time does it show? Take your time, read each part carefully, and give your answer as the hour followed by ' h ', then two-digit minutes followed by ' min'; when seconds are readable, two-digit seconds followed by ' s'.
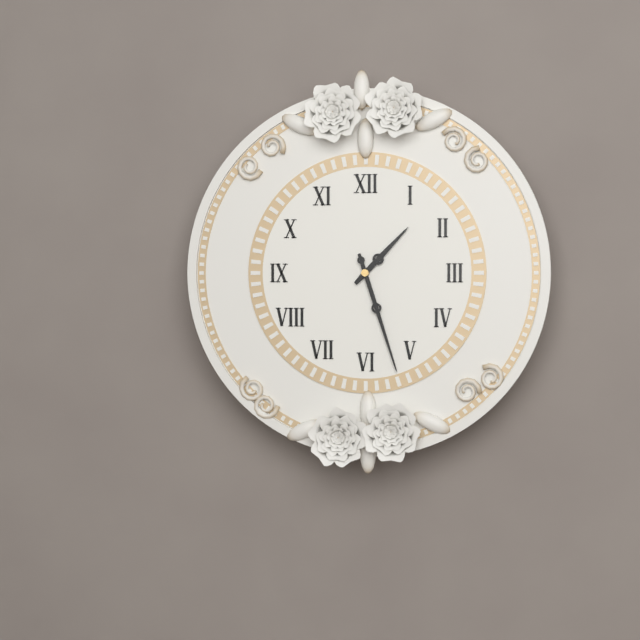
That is 1 h 27 min
